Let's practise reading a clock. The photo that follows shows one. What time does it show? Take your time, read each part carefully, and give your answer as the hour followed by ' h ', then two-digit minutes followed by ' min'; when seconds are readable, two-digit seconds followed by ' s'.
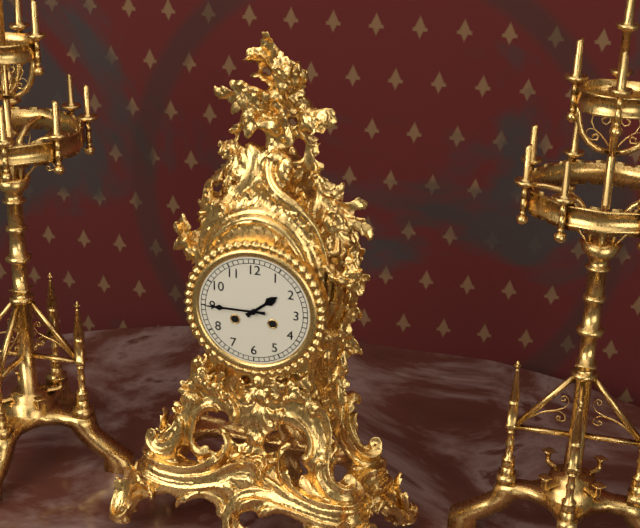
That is 1 h 45 min
